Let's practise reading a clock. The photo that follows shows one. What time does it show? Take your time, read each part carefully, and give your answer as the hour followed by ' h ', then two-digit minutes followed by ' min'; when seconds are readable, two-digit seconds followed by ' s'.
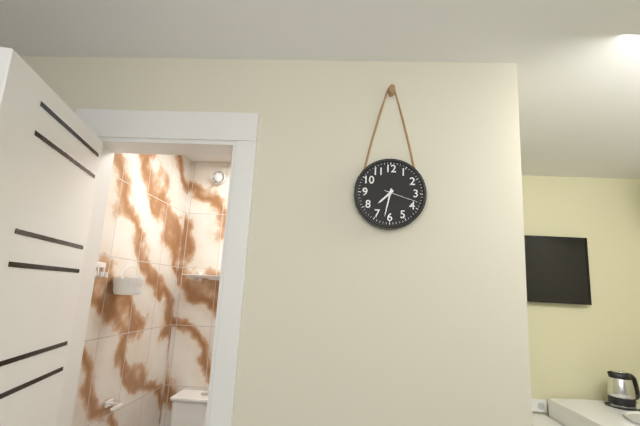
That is 7 h 32 min
